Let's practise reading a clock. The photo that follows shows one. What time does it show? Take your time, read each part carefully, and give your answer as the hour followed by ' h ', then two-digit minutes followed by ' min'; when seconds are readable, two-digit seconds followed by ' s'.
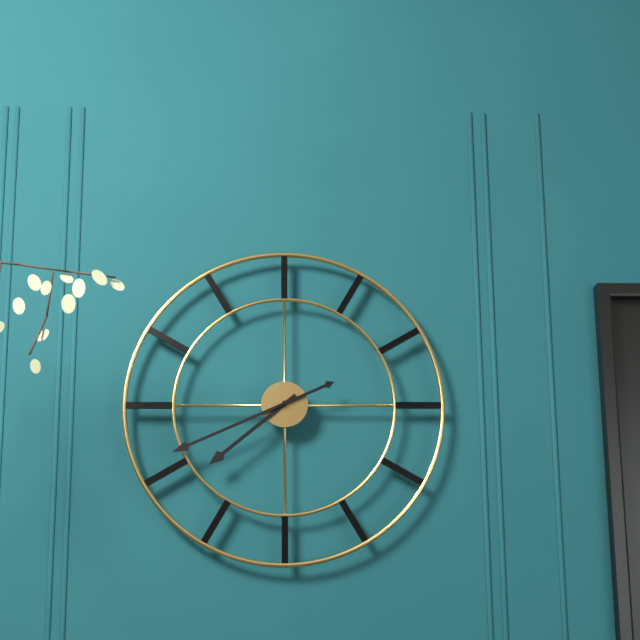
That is 7 h 41 min
